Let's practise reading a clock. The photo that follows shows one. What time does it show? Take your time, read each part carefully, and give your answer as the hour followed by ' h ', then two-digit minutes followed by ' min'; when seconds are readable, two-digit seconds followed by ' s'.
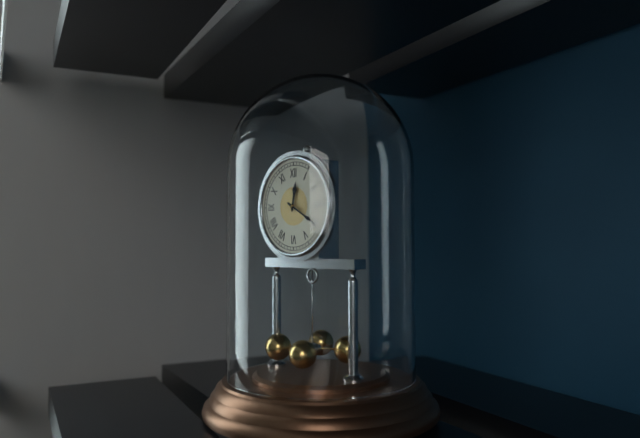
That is 12 h 20 min
